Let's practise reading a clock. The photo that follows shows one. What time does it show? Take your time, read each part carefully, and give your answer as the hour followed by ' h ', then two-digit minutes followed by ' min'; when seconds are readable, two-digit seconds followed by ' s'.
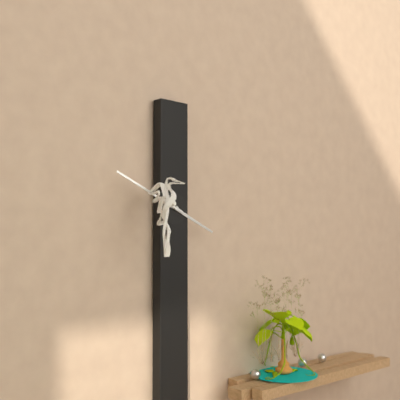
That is 3 h 49 min
